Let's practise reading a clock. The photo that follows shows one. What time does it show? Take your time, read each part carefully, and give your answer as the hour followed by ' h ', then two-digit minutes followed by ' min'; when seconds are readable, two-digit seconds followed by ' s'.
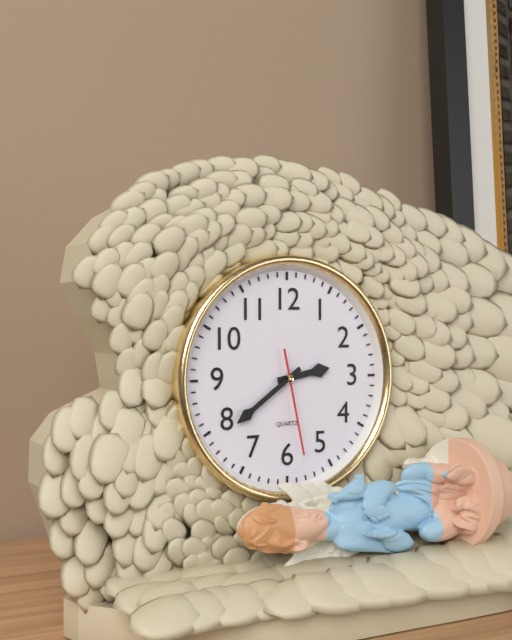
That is 2 h 39 min 28 s
